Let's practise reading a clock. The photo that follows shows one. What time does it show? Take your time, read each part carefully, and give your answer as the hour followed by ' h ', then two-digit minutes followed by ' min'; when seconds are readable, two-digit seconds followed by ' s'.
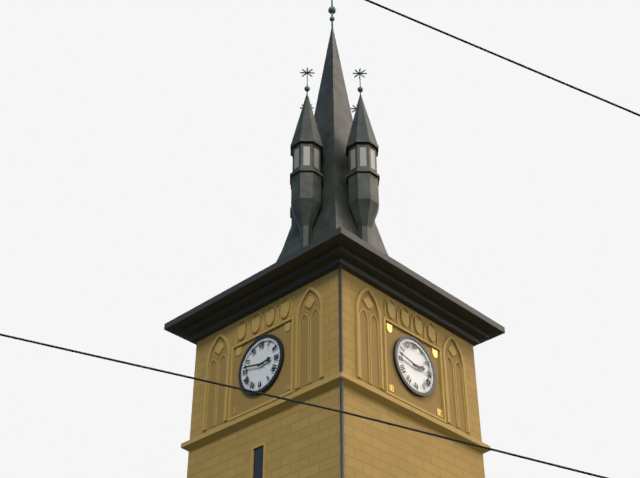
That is 2 h 47 min
